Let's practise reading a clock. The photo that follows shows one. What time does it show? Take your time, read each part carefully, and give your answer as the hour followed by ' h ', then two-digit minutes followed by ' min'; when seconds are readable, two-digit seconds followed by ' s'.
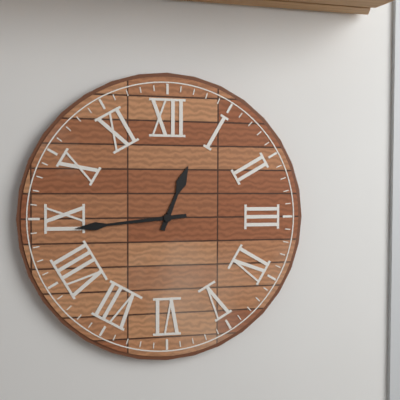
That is 12 h 44 min
